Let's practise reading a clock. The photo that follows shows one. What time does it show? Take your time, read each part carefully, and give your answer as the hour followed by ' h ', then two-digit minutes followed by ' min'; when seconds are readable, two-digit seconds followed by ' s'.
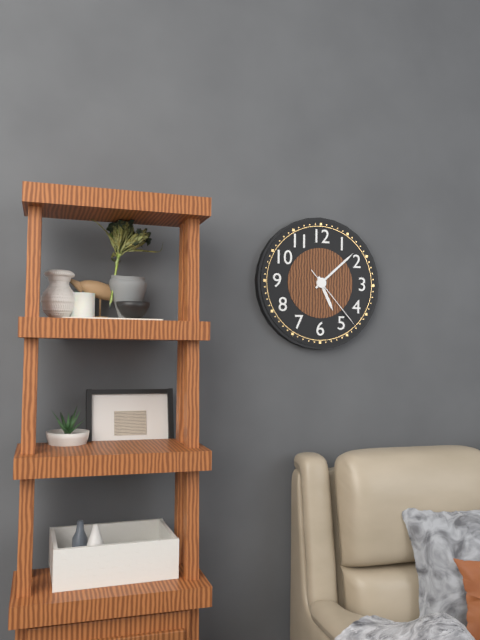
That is 5 h 08 min 23 s
